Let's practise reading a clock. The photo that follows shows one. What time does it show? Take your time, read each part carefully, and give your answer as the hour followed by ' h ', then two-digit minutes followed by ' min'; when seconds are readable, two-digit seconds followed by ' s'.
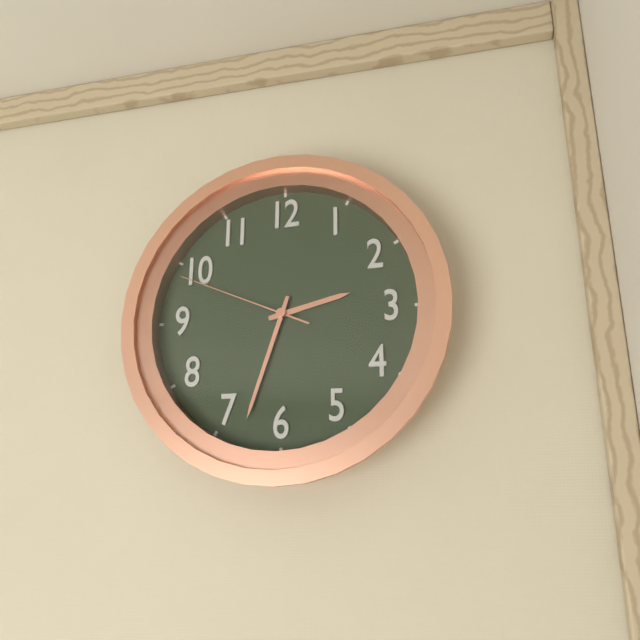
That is 2 h 33 min 49 s
